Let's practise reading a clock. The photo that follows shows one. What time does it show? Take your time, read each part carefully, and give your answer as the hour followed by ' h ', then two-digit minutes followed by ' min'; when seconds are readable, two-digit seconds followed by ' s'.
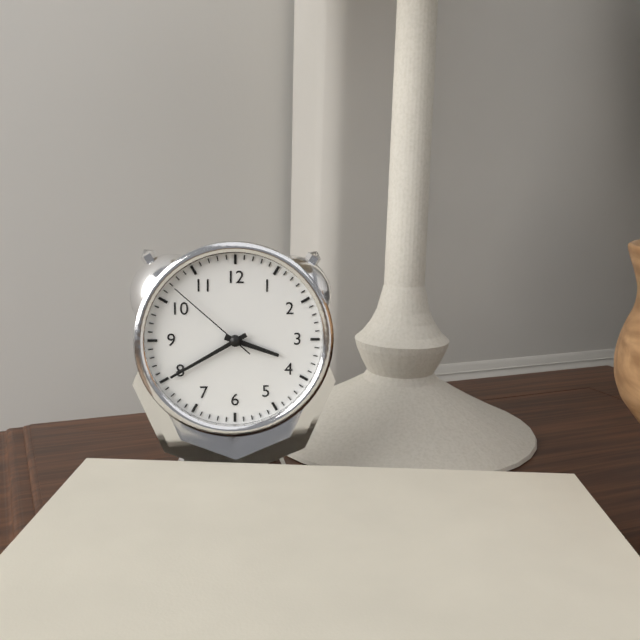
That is 3 h 40 min 52 s
